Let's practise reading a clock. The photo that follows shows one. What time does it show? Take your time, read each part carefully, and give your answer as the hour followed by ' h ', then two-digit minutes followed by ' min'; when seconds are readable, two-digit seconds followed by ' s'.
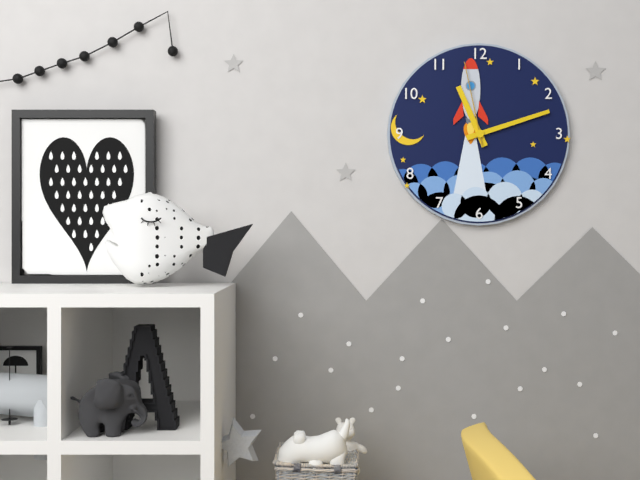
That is 11 h 12 min 58 s
